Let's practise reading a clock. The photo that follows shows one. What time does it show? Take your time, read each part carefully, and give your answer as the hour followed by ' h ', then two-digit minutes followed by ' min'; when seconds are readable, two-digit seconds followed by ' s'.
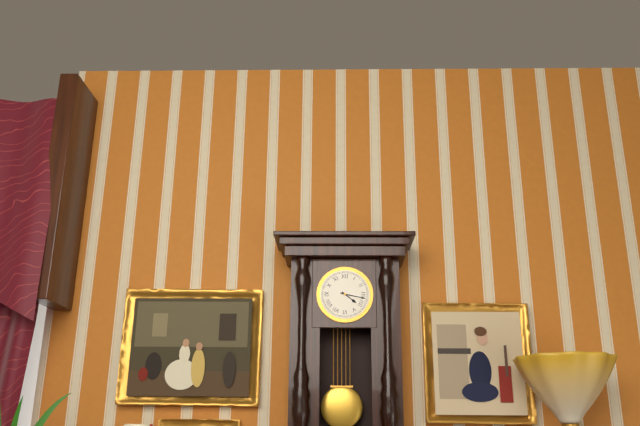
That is 4 h 17 min
